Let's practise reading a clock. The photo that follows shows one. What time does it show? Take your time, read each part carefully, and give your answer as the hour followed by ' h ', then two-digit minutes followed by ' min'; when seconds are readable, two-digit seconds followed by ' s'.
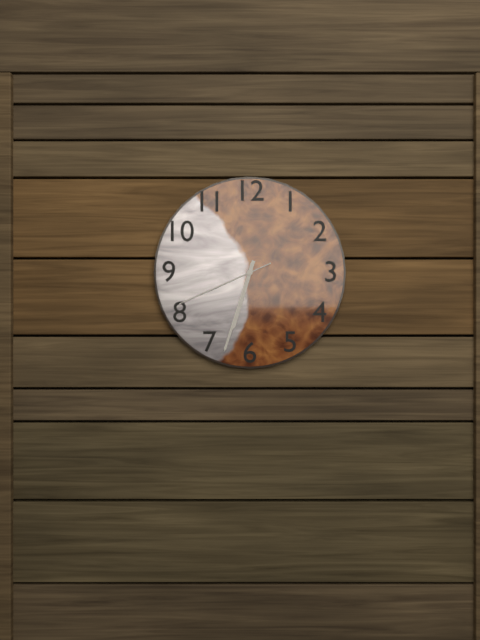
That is 6 h 33 min 41 s
